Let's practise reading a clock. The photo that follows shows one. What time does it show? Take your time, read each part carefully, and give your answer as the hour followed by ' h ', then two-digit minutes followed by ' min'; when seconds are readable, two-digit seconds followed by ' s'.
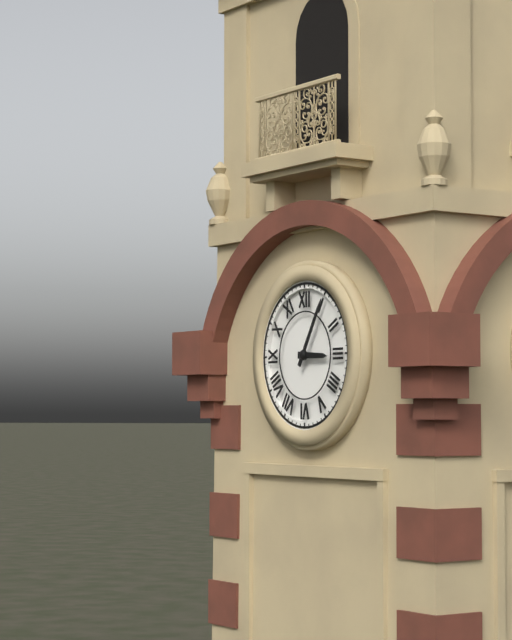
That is 3 h 05 min
